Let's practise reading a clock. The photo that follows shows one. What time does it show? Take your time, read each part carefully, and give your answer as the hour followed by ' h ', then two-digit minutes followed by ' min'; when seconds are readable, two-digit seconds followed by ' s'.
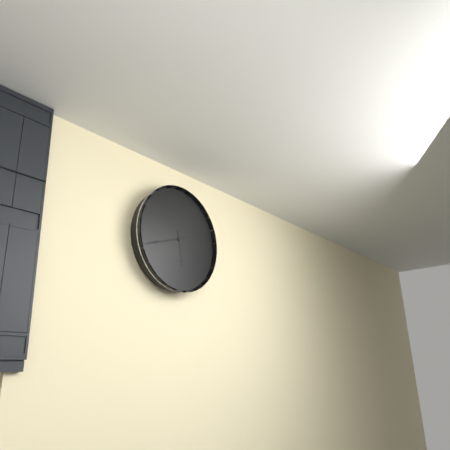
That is 5 h 42 min
